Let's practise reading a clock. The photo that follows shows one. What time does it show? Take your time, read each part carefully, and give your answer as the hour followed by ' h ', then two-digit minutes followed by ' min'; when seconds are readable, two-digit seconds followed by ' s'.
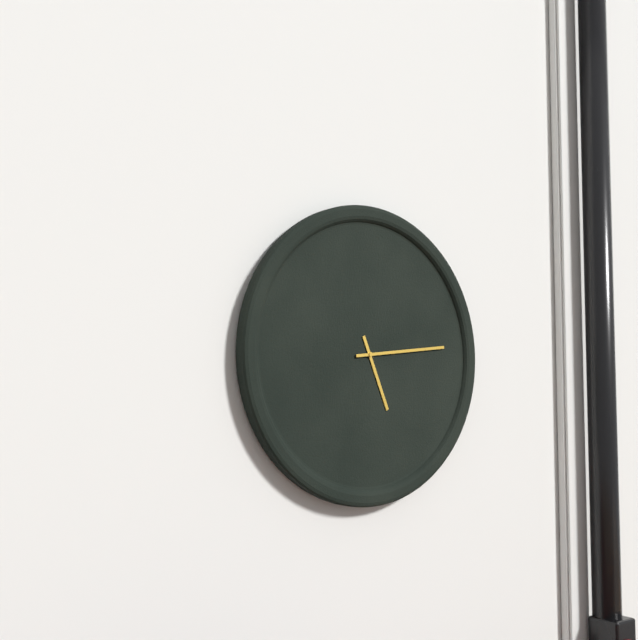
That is 5 h 14 min
